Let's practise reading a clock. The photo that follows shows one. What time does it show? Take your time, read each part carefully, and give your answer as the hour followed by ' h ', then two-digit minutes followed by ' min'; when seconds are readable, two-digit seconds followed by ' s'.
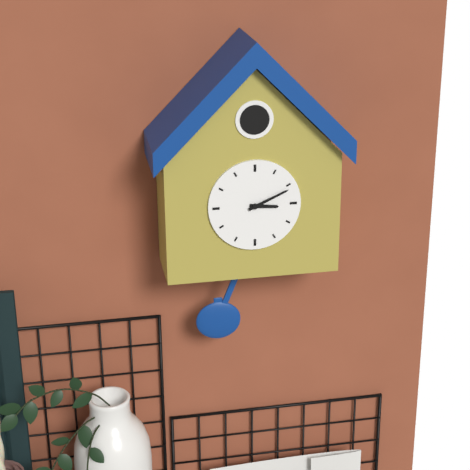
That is 3 h 11 min
